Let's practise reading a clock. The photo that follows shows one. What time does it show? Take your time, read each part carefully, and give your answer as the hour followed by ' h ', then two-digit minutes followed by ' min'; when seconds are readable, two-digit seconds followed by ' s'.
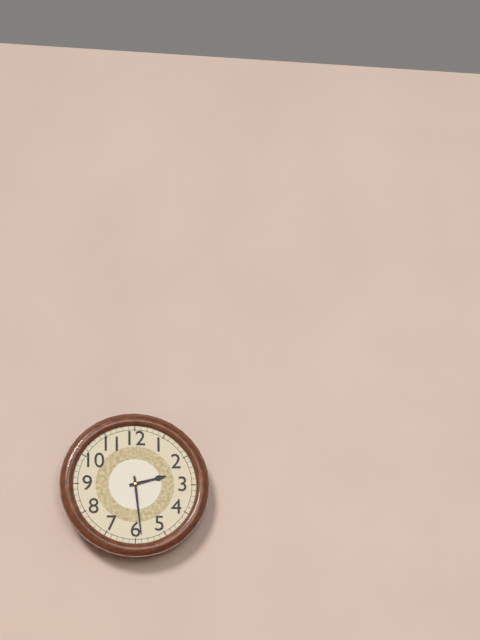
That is 2 h 29 min
